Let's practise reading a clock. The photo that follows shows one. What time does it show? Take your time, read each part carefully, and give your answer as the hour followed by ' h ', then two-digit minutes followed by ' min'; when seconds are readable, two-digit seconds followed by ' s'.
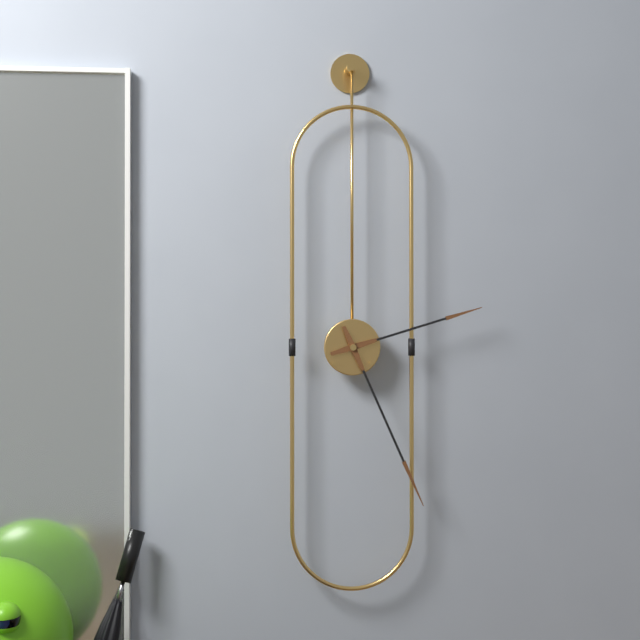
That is 2 h 26 min
